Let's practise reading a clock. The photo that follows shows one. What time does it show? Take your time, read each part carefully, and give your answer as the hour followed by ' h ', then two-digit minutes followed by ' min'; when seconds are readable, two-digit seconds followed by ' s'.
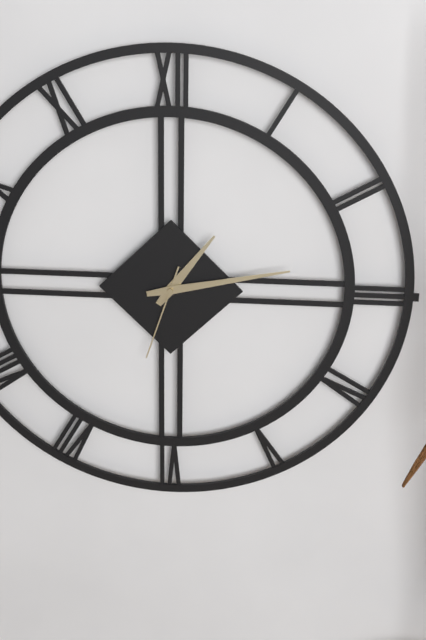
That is 1 h 13 min 33 s
